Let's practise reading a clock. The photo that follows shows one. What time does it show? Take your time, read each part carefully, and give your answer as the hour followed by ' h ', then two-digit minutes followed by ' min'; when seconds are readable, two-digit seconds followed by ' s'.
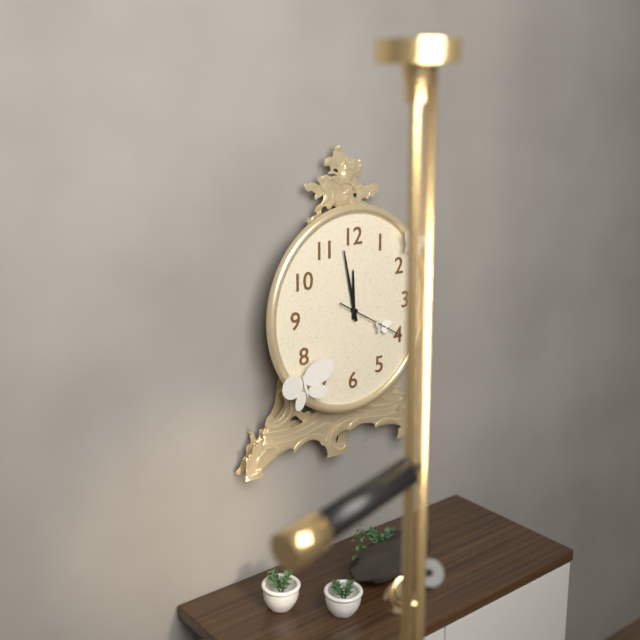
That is 11 h 58 min 20 s
